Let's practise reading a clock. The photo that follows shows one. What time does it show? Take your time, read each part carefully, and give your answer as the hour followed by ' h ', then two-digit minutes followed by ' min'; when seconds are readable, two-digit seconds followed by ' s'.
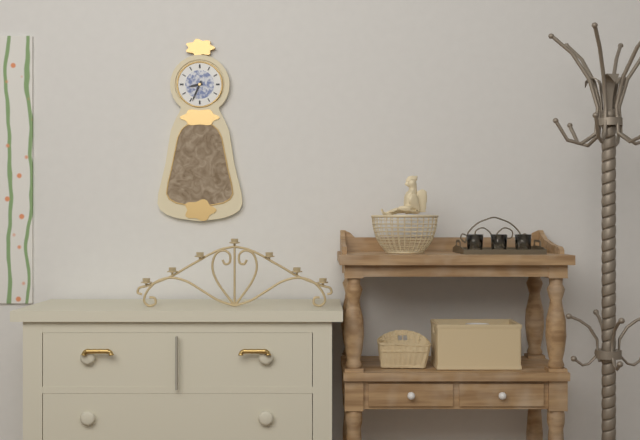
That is 8 h 34 min
